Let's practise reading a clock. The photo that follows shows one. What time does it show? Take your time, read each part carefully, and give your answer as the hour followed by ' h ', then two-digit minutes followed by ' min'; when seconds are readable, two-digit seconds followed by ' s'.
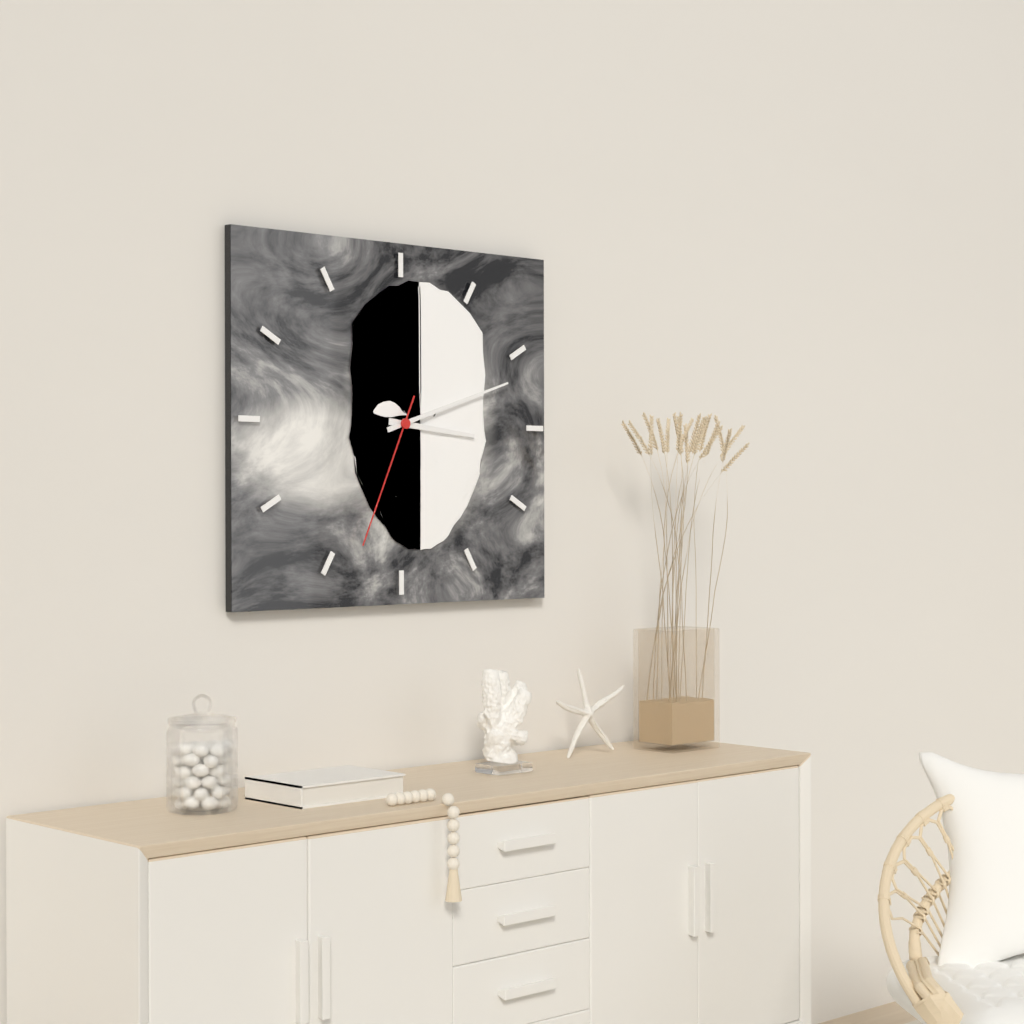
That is 3 h 12 min 34 s
